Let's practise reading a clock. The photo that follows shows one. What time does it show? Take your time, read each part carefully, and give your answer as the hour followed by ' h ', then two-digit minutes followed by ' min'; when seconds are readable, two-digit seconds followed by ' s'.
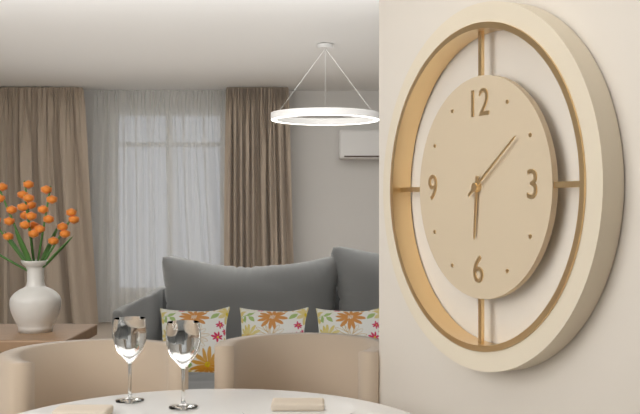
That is 6 h 09 min
